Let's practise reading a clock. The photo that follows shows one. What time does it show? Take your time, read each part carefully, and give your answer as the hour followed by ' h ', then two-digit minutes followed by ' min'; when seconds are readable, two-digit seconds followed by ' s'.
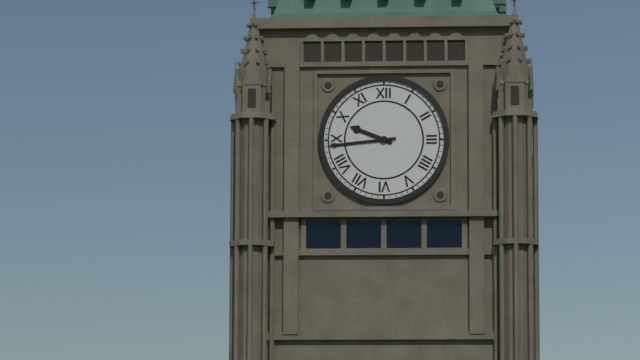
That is 9 h 44 min
